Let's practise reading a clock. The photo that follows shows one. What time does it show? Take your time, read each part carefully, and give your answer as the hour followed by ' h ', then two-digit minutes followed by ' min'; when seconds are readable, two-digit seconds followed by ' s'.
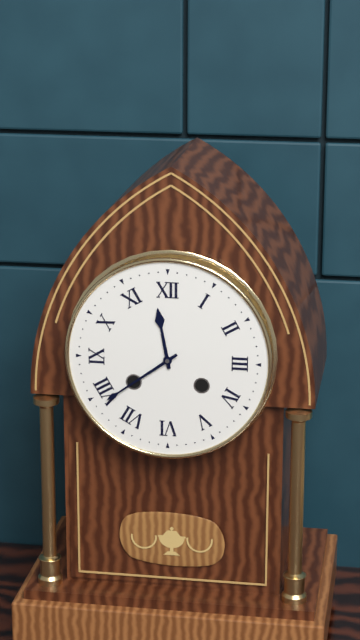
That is 11 h 39 min
